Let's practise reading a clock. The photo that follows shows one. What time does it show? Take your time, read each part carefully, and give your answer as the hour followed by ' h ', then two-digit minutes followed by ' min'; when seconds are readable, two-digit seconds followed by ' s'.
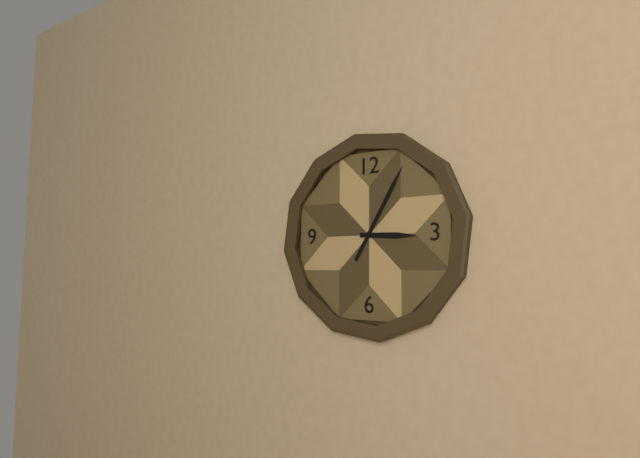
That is 3 h 05 min
